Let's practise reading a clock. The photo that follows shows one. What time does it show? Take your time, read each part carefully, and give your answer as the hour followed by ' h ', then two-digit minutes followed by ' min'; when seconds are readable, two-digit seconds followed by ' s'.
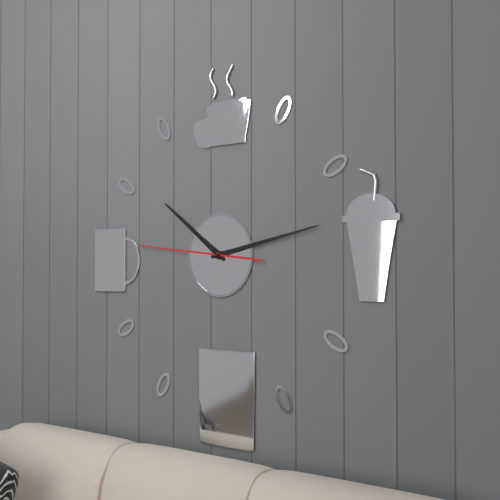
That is 10 h 13 min 46 s
